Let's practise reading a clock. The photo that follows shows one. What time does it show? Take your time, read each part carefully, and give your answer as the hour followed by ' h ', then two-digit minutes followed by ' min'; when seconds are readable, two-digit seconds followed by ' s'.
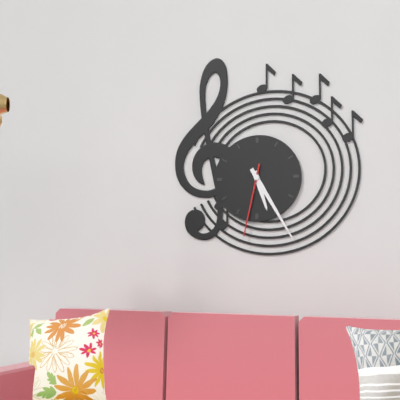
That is 5 h 25 min 32 s
